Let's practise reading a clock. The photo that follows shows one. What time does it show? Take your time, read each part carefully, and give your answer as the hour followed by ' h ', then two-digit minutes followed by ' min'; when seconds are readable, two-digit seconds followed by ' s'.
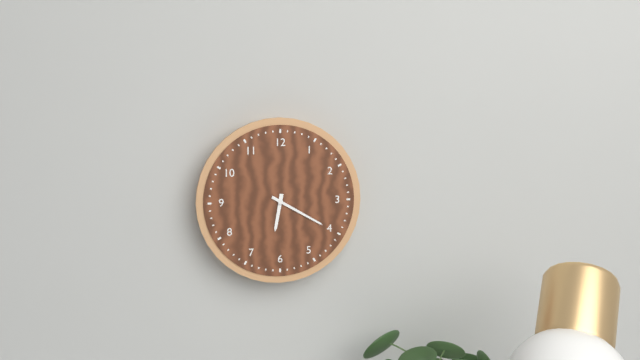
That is 6 h 20 min
